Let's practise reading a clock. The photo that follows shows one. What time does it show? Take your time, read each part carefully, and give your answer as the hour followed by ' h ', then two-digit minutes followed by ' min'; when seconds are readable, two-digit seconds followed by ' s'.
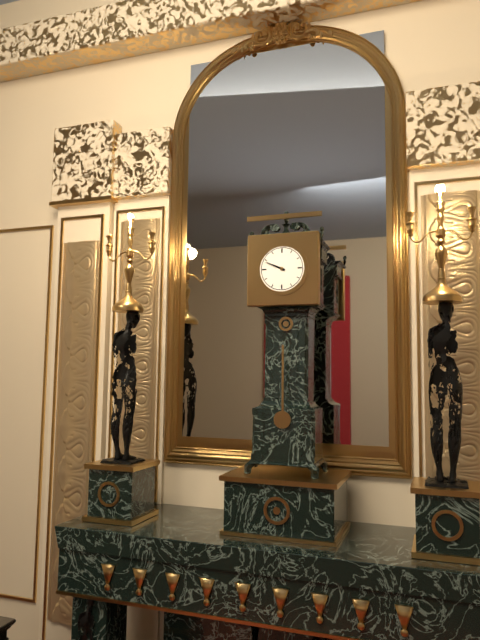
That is 9 h 49 min
